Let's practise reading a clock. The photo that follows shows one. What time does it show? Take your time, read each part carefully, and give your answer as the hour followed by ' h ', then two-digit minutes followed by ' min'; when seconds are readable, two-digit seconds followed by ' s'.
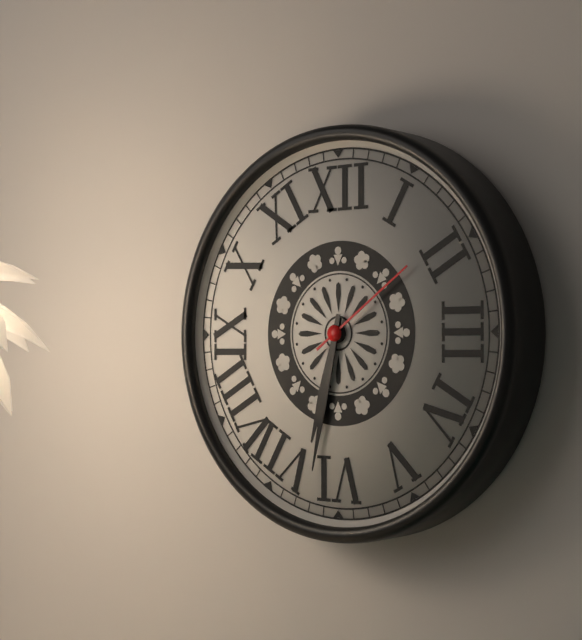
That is 6 h 32 min 09 s
